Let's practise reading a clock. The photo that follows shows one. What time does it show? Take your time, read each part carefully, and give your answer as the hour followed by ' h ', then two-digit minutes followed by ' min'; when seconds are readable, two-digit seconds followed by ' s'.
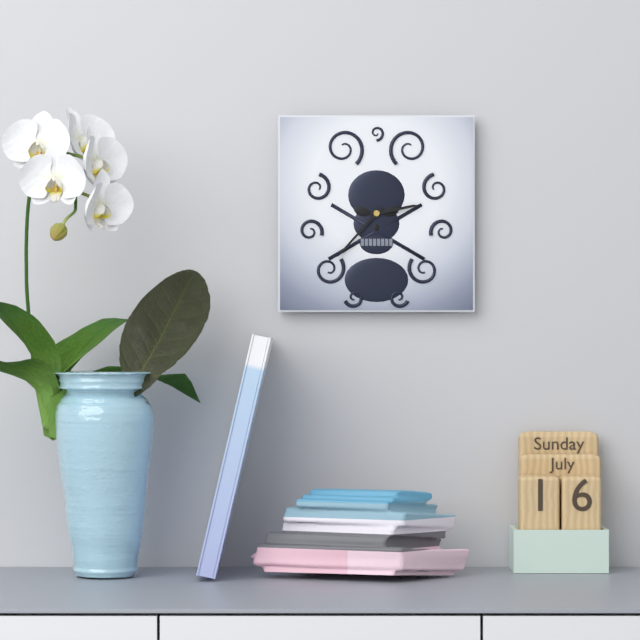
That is 2 h 37 min
